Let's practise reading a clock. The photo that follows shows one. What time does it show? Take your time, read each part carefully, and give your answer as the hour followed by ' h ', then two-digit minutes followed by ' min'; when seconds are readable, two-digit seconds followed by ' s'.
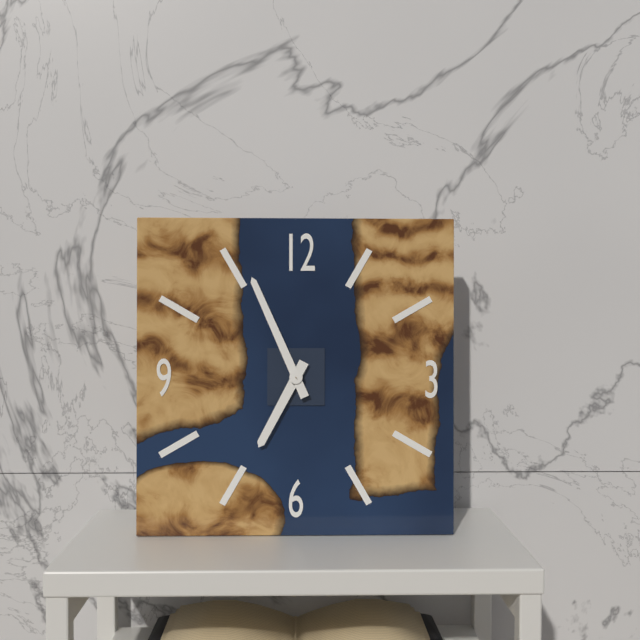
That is 6 h 56 min
